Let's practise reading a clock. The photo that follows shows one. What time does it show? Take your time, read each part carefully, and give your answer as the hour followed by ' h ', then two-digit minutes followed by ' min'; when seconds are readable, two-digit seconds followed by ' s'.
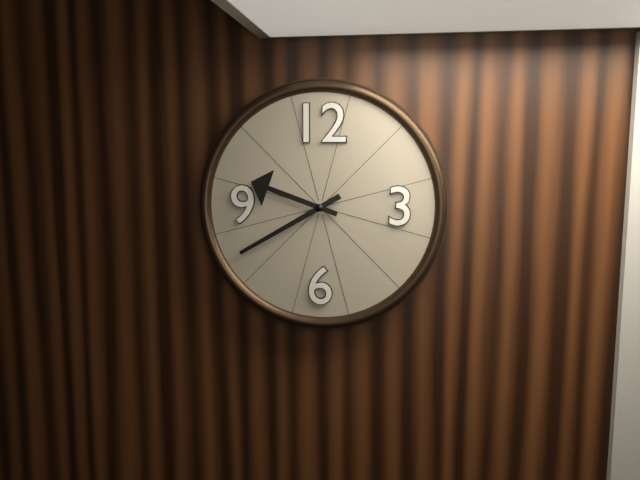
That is 9 h 40 min
